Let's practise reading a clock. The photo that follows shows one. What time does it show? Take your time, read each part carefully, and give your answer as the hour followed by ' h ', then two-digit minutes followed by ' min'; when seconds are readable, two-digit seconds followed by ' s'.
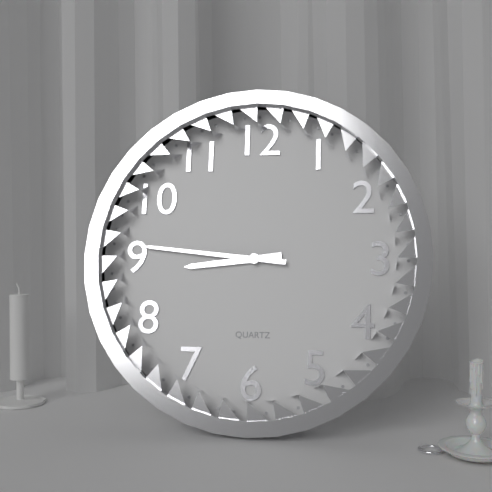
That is 8 h 46 min
